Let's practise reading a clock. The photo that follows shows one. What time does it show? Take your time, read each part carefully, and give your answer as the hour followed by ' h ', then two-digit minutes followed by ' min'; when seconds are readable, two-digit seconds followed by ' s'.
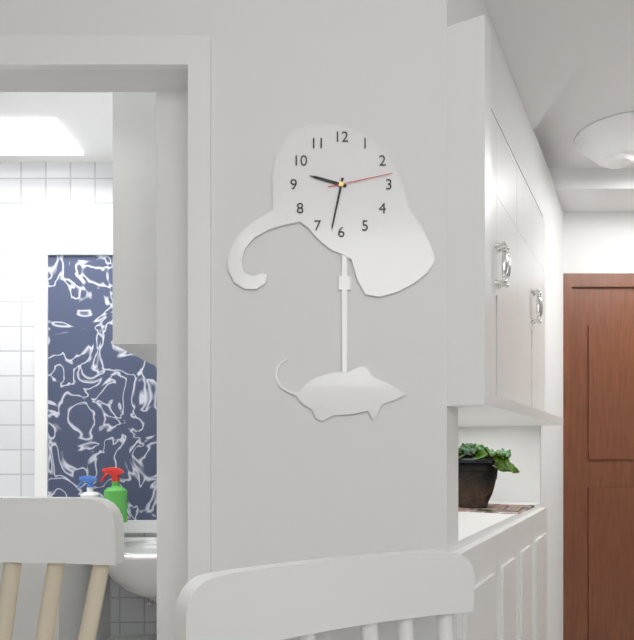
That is 9 h 32 min 13 s
